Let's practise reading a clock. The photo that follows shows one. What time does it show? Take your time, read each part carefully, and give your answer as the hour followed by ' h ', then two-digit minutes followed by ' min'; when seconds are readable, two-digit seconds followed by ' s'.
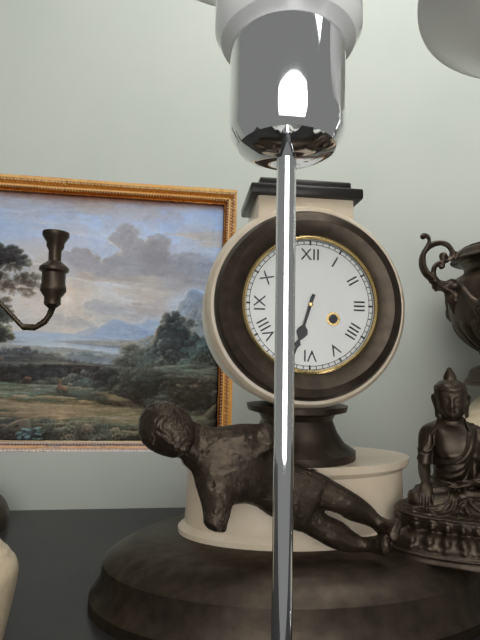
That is 6 h 33 min
